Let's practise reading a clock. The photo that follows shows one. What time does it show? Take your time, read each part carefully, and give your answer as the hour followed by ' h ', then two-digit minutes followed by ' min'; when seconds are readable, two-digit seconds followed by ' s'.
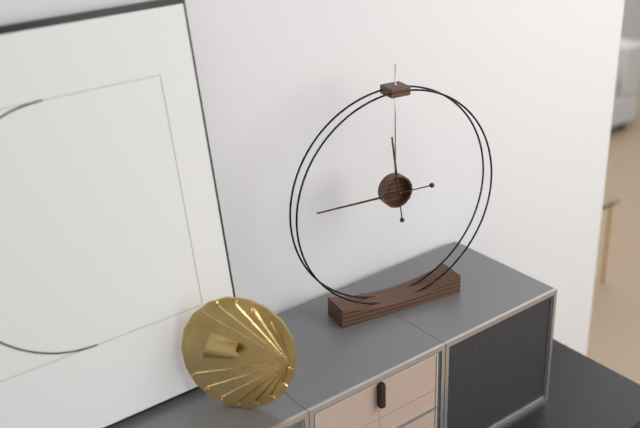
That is 11 h 45 min
